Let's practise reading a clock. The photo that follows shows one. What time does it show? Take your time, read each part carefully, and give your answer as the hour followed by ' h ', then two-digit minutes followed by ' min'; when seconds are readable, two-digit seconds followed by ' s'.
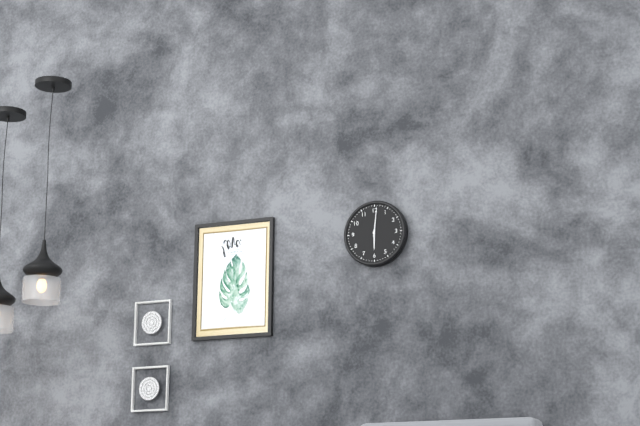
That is 6 h 01 min
